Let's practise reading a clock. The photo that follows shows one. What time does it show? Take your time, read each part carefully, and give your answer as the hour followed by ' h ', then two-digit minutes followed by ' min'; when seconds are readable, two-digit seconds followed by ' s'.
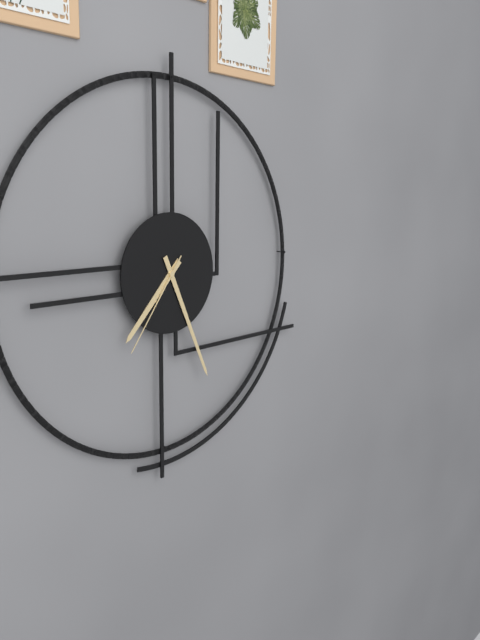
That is 7 h 26 min 36 s
